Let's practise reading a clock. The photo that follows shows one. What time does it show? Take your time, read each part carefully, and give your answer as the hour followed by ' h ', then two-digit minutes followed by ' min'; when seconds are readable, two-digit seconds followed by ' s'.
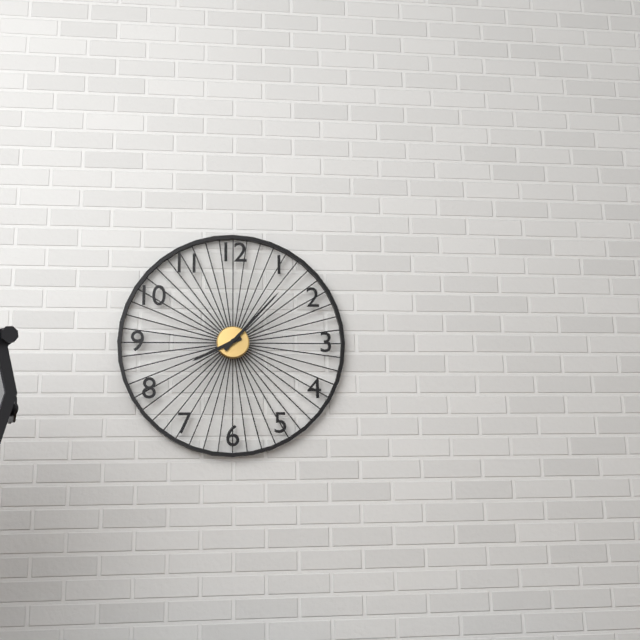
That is 8 h 07 min
